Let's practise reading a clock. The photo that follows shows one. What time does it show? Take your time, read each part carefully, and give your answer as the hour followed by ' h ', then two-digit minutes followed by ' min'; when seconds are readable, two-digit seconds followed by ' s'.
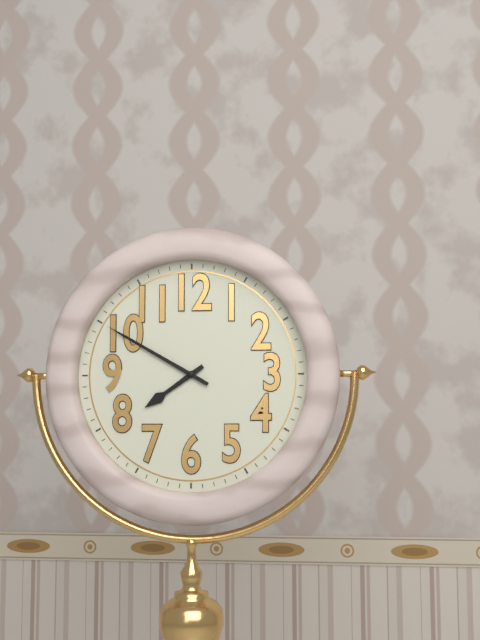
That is 7 h 50 min
